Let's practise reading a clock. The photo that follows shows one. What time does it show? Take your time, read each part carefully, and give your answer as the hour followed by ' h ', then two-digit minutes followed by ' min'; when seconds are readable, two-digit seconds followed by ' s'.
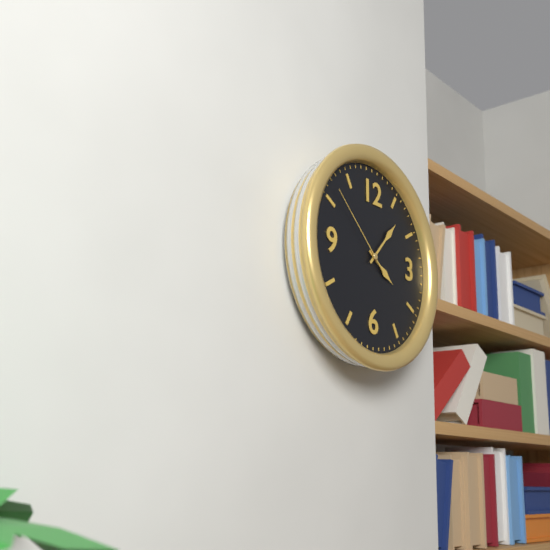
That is 4 h 07 min 52 s
